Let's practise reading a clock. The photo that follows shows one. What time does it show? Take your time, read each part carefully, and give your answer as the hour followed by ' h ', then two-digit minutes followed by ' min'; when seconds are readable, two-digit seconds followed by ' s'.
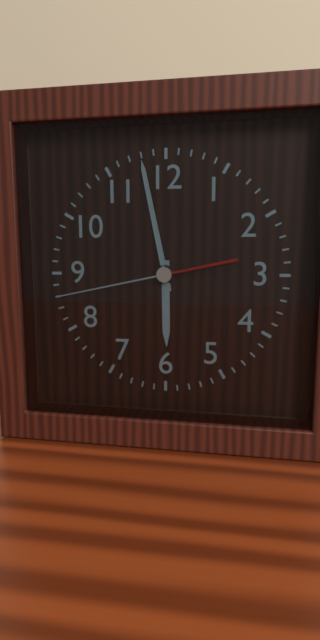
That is 5 h 58 min 43 s
